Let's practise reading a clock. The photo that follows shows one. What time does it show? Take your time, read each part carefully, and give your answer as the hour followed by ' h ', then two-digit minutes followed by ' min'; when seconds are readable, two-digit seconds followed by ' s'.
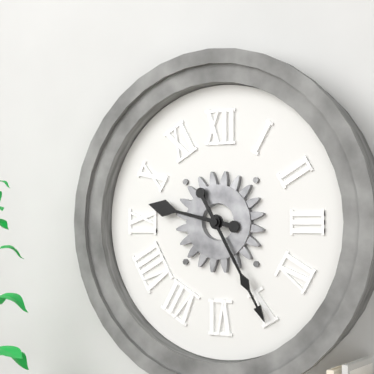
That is 9 h 25 min
